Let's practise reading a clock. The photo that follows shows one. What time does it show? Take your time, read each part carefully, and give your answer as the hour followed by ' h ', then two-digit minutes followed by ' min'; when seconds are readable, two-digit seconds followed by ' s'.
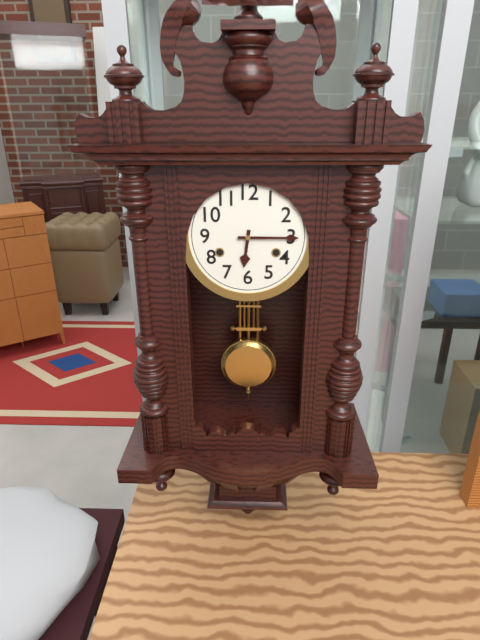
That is 6 h 15 min
